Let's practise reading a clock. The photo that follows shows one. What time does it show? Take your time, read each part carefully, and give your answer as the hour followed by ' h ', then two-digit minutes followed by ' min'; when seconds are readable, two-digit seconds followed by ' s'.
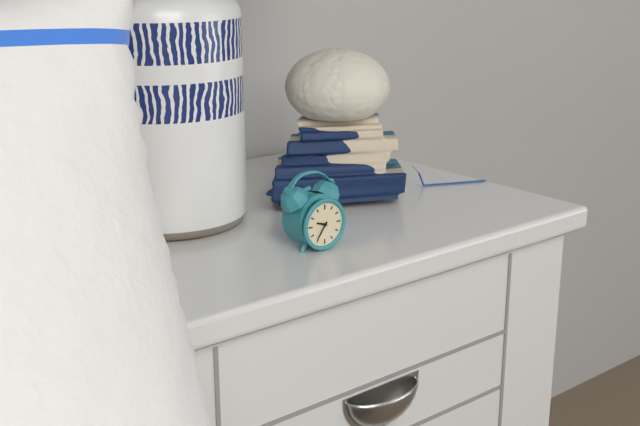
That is 9 h 36 min
